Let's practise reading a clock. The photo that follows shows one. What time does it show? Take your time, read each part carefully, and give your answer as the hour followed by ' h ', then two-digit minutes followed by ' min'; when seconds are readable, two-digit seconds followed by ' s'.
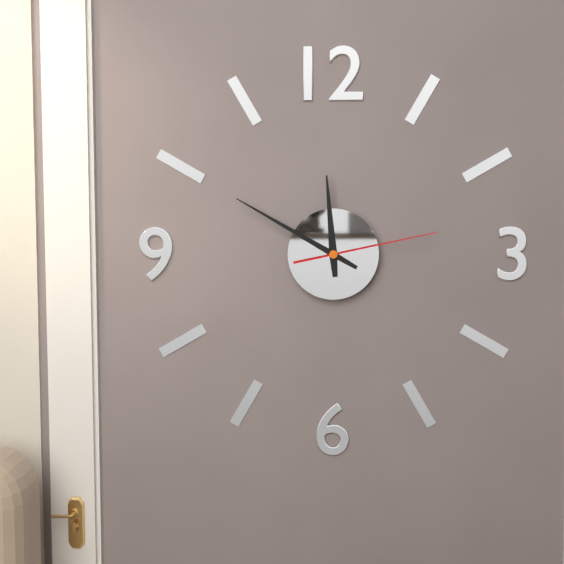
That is 11 h 50 min 13 s
